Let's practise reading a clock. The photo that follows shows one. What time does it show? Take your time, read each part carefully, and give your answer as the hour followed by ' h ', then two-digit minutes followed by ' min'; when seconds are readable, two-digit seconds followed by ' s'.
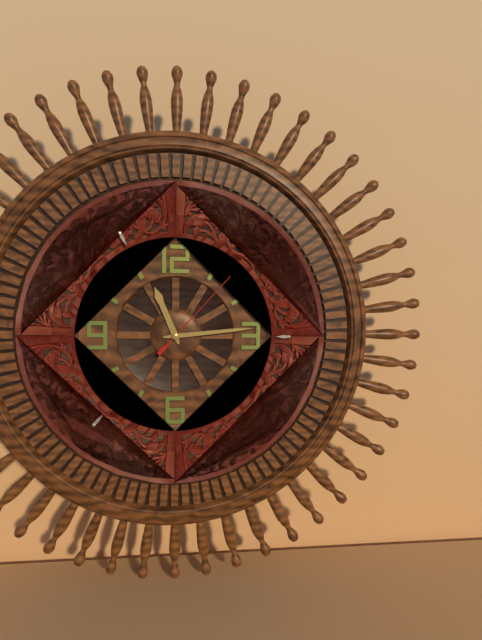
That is 11 h 14 min 07 s
